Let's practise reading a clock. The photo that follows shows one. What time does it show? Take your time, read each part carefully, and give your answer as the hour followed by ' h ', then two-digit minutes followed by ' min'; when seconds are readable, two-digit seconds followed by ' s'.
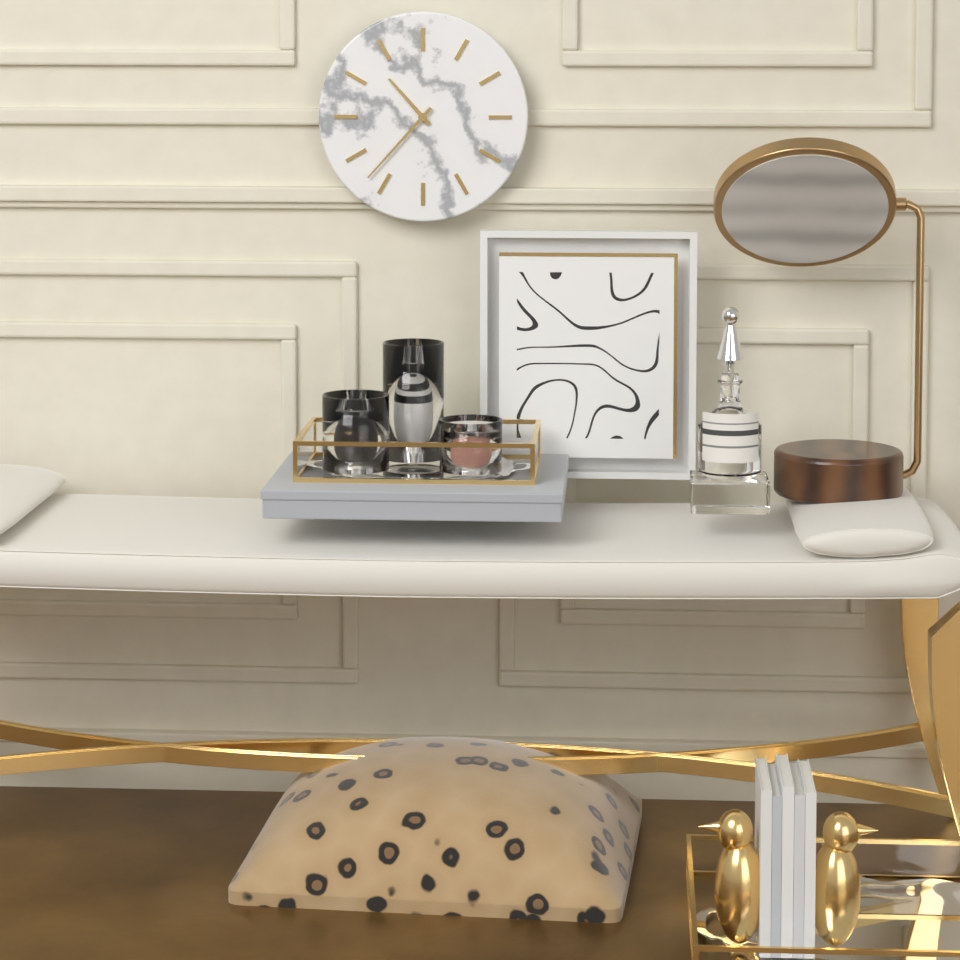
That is 10 h 37 min
